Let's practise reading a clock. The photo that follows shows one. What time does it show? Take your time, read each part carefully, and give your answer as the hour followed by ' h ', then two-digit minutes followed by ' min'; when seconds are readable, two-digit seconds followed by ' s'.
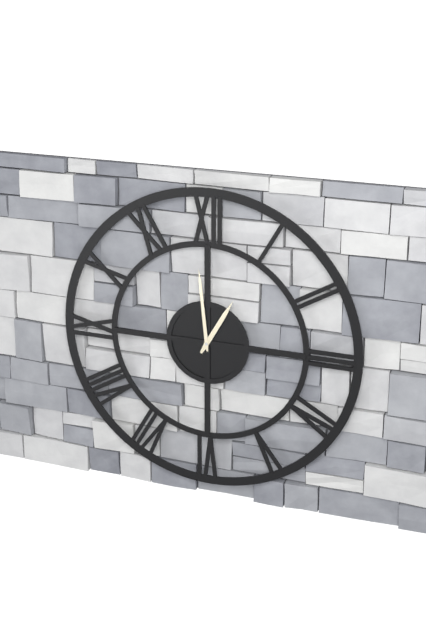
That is 12 h 59 min
